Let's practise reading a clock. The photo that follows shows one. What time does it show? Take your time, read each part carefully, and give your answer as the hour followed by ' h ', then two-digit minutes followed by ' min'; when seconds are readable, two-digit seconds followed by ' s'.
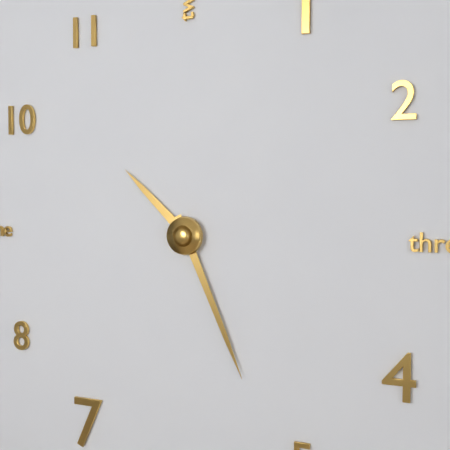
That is 10 h 26 min
